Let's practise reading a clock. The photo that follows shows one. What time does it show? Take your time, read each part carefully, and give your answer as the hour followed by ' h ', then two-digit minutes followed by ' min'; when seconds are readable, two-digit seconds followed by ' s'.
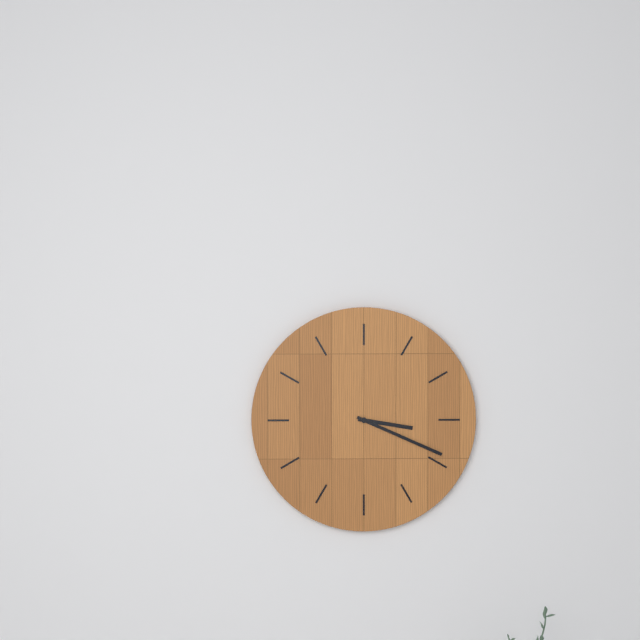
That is 3 h 19 min
